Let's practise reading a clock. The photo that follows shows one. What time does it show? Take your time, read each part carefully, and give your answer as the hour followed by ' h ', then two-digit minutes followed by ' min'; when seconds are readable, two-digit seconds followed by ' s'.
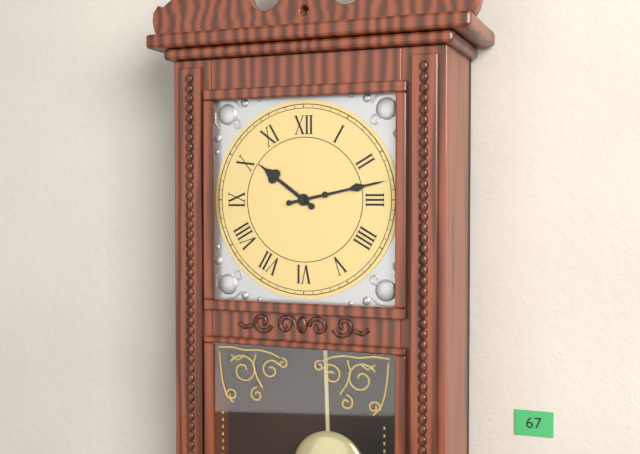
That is 10 h 13 min
